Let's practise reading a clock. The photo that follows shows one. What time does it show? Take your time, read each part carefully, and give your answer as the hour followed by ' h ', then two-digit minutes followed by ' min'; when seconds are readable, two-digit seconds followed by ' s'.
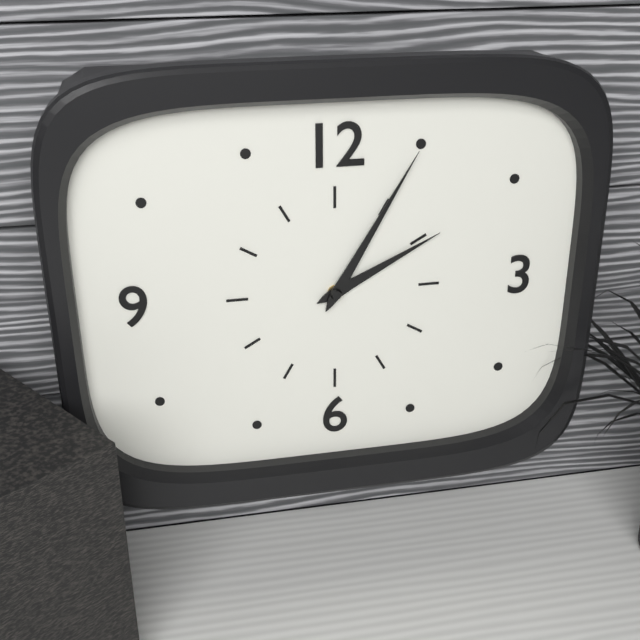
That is 2 h 05 min
